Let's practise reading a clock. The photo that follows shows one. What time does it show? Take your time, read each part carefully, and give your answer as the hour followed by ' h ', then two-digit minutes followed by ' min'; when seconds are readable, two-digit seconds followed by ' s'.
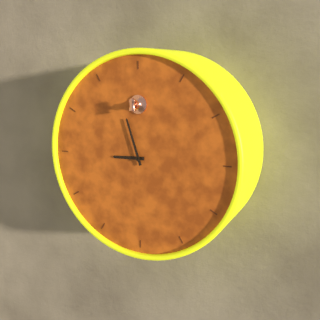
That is 8 h 57 min
